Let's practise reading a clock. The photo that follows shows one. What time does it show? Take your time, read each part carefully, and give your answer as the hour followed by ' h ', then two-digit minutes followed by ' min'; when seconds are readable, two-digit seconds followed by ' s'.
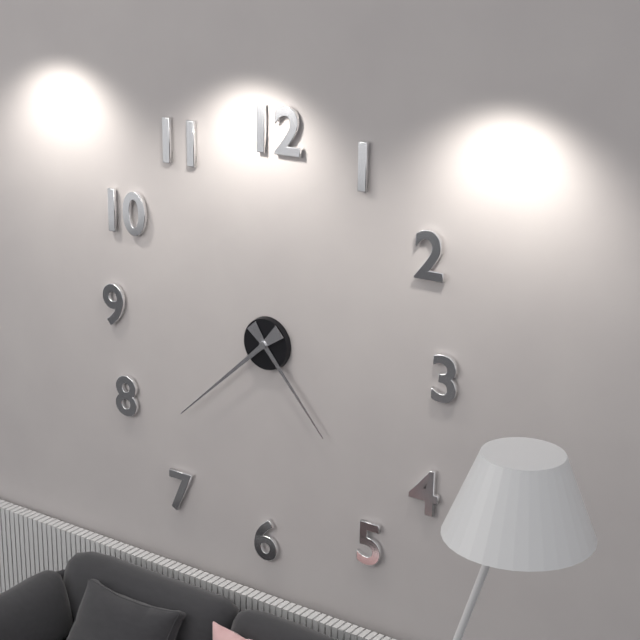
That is 4 h 38 min
